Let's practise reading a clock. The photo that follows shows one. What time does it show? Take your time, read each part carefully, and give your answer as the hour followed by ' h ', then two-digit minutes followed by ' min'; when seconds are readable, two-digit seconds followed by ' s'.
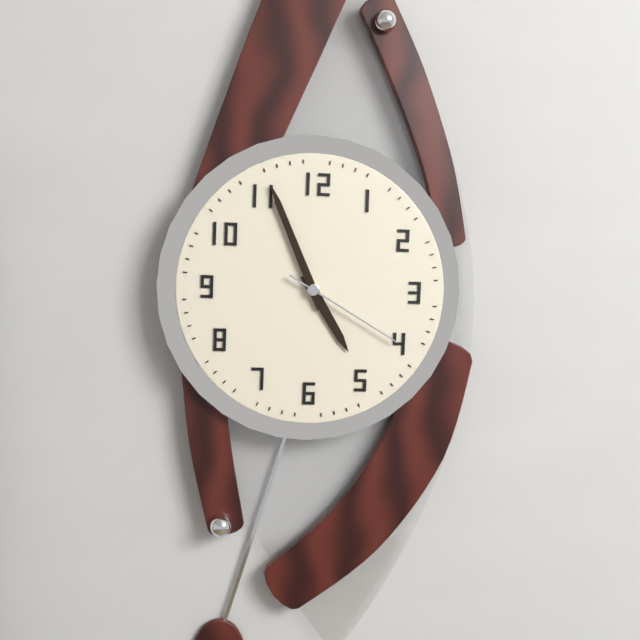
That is 4 h 56 min 20 s
